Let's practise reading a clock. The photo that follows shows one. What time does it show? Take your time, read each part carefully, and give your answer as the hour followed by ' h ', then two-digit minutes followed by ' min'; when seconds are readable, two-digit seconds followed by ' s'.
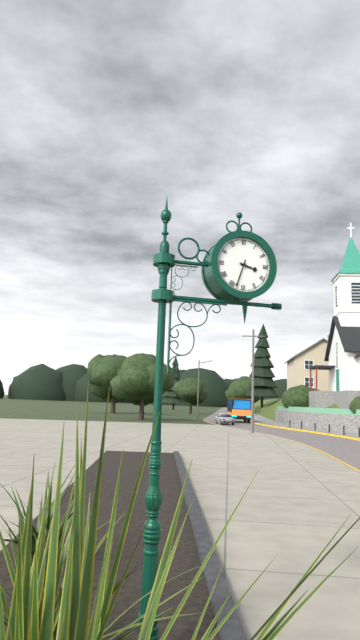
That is 3 h 33 min
